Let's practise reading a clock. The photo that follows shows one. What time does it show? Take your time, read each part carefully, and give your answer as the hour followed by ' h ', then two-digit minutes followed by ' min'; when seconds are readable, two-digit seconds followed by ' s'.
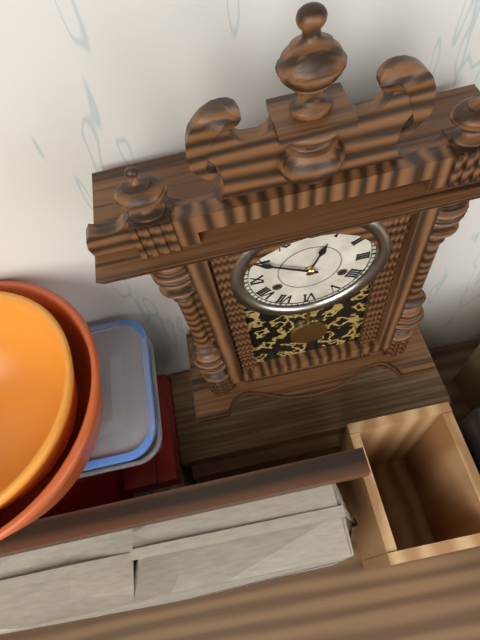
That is 12 h 50 min
